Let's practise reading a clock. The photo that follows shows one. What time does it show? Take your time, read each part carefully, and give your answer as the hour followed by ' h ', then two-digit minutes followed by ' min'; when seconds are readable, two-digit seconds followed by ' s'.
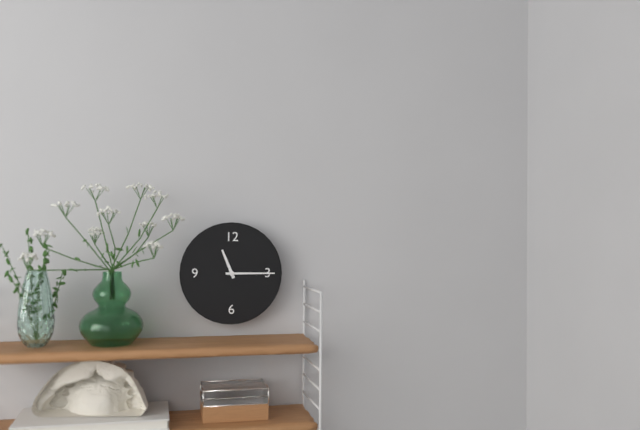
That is 11 h 15 min
